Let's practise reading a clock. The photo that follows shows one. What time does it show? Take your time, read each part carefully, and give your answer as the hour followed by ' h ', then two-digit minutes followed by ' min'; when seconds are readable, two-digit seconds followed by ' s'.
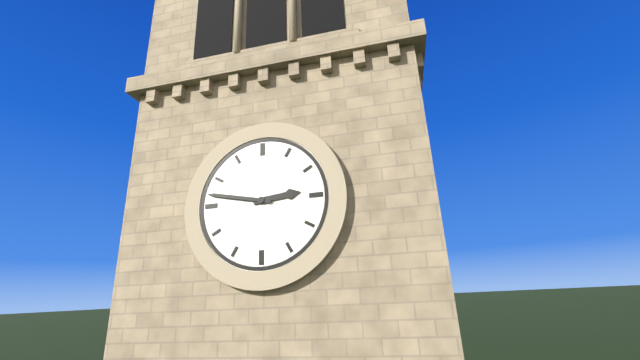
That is 2 h 47 min
